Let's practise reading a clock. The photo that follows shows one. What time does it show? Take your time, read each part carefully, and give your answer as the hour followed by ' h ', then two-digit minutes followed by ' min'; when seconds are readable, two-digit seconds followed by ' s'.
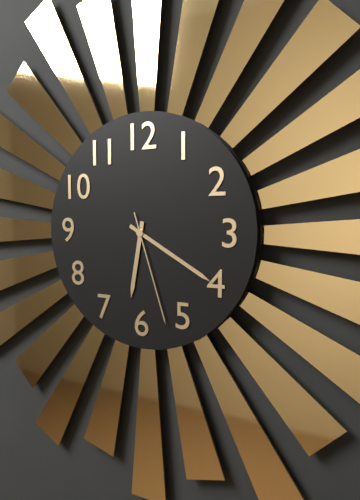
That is 6 h 20 min 27 s
